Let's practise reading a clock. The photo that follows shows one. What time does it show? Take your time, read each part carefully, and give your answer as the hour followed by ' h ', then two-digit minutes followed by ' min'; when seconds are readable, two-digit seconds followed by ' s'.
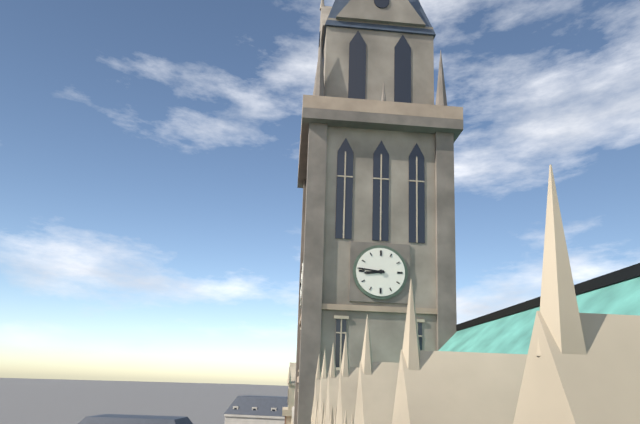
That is 8 h 46 min
